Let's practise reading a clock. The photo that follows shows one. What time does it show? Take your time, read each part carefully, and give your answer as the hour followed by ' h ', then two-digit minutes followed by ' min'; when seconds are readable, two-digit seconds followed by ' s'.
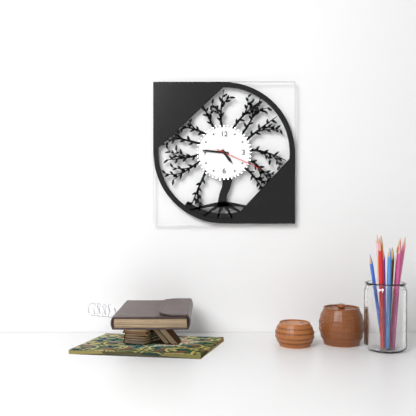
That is 4 h 46 min
